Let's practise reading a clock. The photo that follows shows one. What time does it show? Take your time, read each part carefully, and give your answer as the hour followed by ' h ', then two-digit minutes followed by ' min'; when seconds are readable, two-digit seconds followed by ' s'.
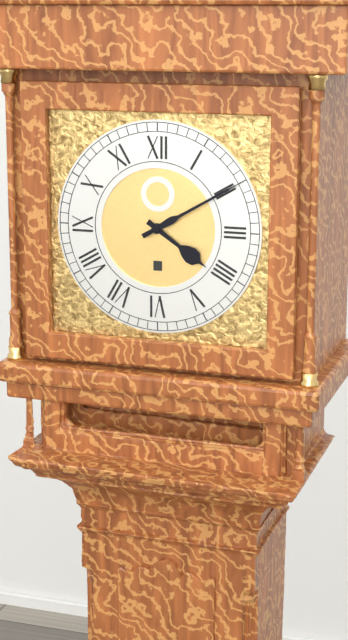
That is 4 h 10 min
